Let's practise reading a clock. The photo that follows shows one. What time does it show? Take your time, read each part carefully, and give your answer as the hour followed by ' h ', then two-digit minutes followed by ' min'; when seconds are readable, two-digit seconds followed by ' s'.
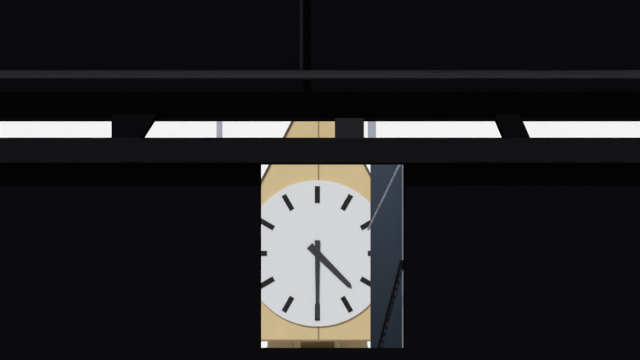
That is 4 h 30 min
